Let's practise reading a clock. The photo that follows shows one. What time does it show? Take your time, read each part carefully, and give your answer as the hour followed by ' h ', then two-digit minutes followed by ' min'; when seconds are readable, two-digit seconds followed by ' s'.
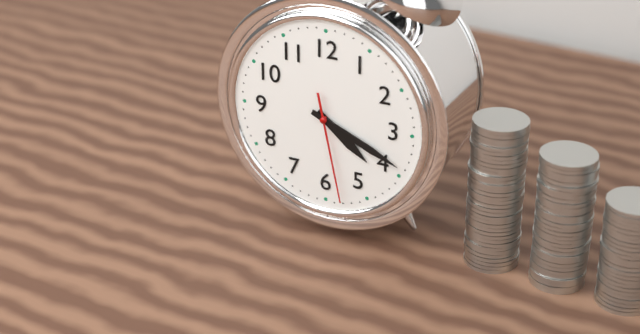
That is 4 h 19 min 28 s
